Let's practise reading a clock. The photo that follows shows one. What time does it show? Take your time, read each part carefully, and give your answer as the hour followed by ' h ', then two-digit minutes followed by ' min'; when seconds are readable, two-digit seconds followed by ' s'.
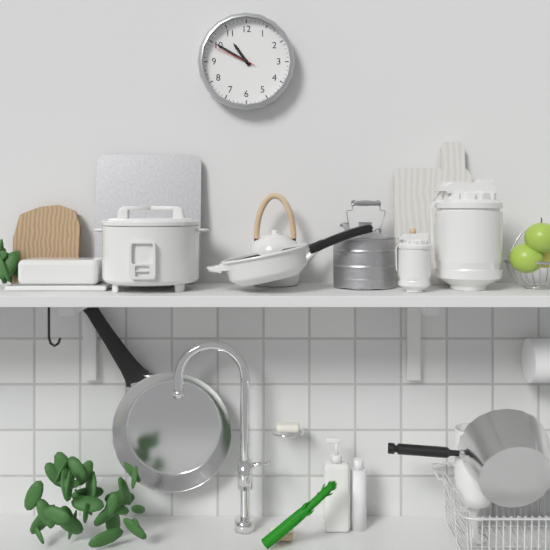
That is 10 h 50 min
